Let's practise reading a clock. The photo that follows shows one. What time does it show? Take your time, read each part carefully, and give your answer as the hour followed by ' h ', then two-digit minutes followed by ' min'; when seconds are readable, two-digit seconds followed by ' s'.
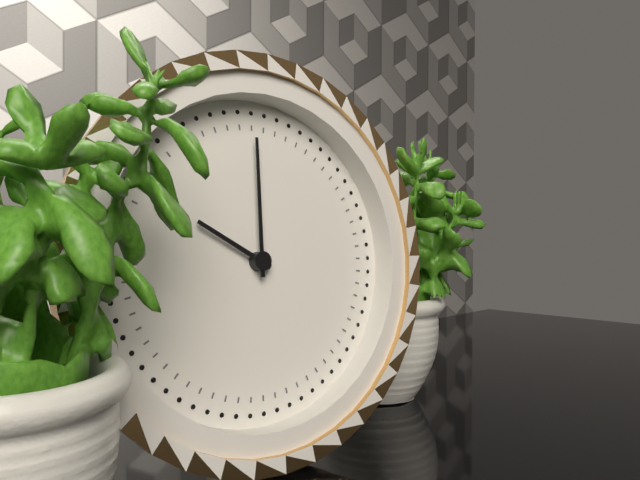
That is 10 h 00 min
